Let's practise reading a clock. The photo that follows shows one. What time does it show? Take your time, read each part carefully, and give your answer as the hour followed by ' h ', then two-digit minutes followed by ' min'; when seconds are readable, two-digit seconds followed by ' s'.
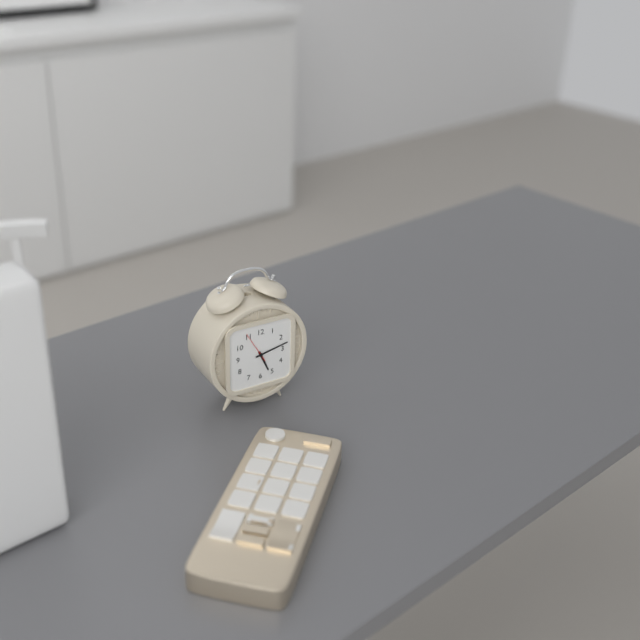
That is 5 h 13 min
